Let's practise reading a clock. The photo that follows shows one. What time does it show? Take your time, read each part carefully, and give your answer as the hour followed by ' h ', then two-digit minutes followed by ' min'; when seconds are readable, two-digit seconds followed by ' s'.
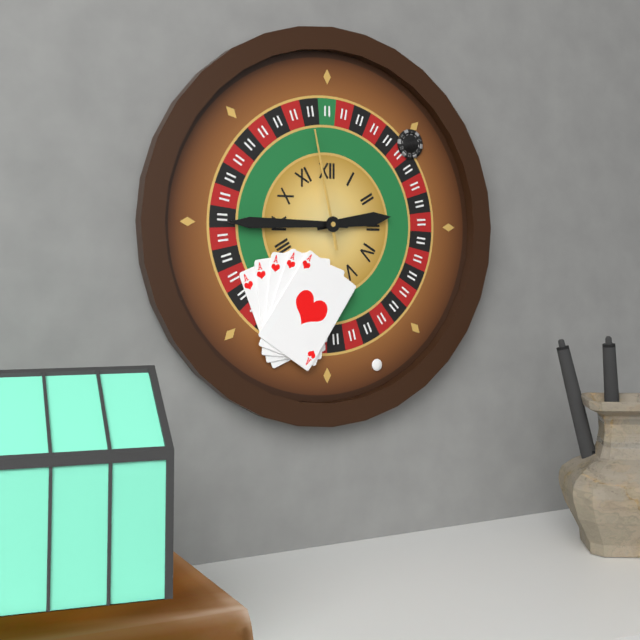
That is 2 h 45 min 58 s
